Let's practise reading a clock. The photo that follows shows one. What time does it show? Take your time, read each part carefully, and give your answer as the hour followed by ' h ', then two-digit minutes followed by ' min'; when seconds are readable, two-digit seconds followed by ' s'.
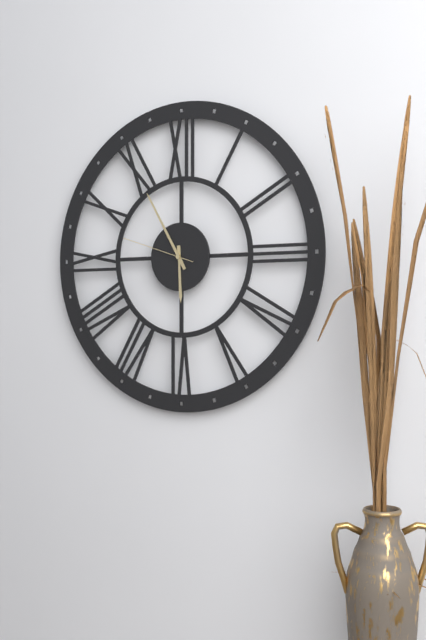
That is 5 h 55 min 48 s
